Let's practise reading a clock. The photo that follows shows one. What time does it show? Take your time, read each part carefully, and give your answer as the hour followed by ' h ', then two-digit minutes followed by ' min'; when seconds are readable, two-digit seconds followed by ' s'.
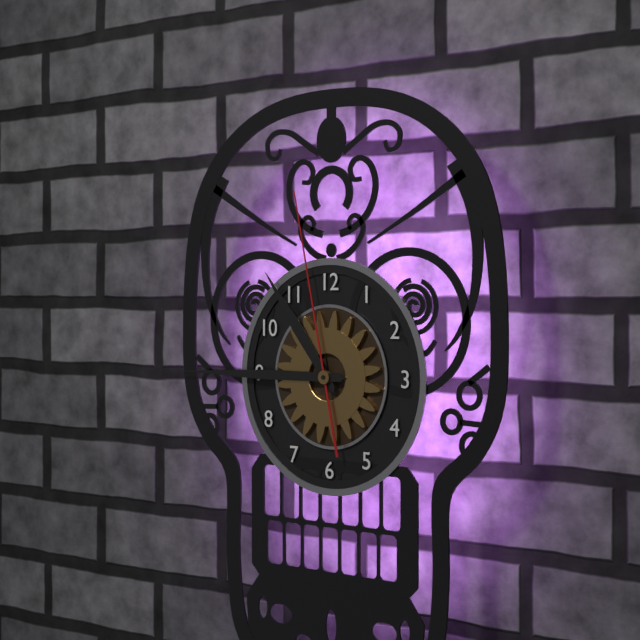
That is 10 h 45 min 58 s
